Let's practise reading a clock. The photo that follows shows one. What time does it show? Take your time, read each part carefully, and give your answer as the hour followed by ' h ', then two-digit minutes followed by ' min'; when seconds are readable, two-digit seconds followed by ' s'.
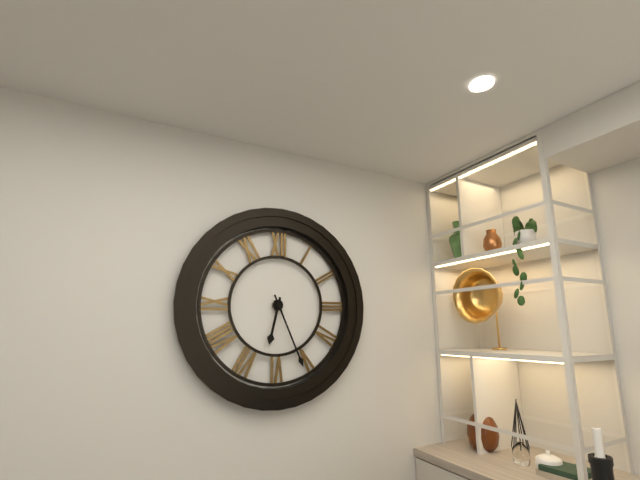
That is 6 h 26 min
